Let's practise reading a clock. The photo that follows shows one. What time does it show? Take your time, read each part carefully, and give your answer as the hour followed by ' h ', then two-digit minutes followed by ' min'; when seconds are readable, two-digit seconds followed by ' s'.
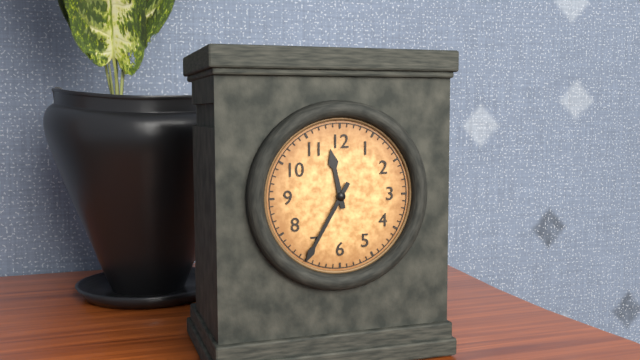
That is 11 h 35 min
